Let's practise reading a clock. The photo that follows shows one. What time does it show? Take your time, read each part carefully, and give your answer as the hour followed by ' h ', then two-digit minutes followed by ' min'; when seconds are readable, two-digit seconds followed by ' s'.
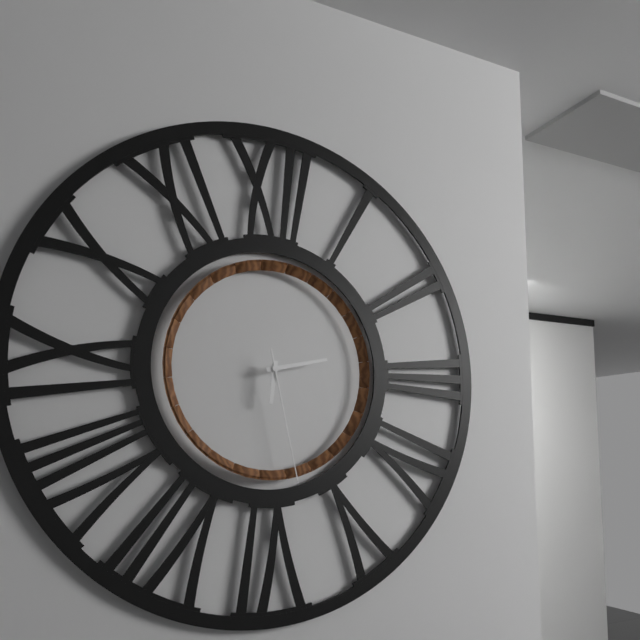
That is 6 h 13 min 28 s
